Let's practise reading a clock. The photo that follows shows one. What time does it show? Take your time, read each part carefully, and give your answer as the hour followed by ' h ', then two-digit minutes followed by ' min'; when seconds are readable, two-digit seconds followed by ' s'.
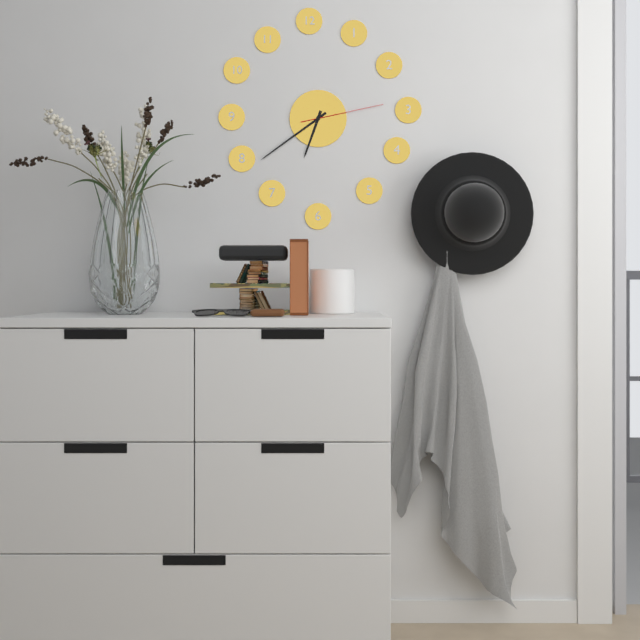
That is 6 h 39 min 13 s
